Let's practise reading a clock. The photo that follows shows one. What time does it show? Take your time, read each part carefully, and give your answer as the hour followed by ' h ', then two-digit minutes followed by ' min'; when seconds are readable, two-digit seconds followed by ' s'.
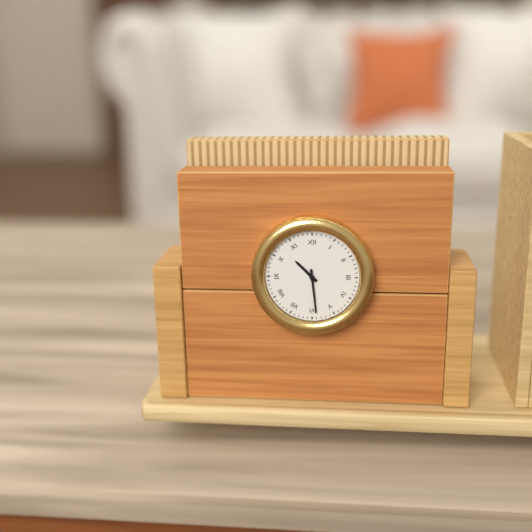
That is 10 h 29 min
